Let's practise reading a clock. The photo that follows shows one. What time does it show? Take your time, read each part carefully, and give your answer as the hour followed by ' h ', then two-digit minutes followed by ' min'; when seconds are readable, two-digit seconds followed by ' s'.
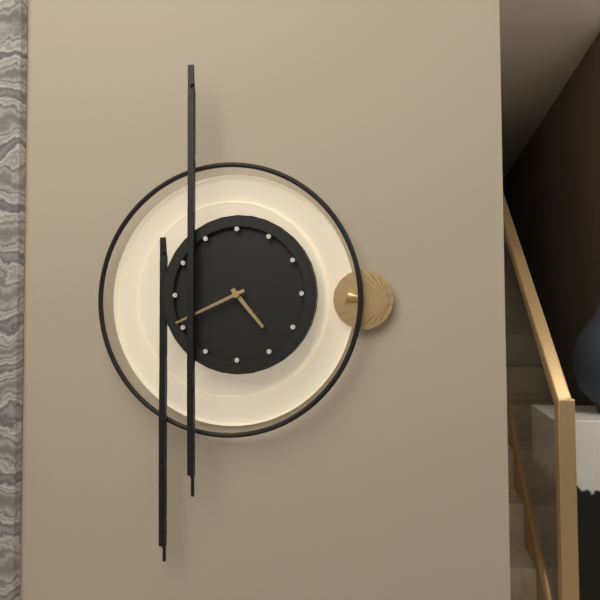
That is 4 h 41 min
